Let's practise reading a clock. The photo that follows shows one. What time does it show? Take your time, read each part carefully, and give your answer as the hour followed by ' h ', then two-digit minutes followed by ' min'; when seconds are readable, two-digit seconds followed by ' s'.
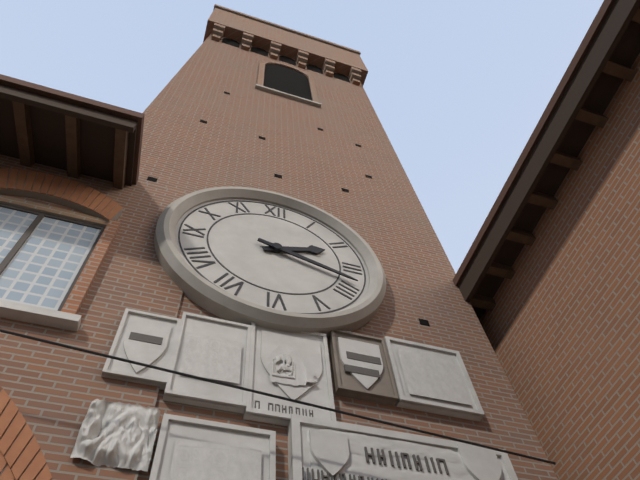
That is 2 h 18 min
